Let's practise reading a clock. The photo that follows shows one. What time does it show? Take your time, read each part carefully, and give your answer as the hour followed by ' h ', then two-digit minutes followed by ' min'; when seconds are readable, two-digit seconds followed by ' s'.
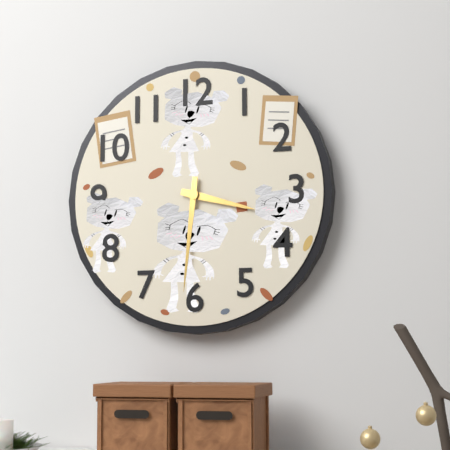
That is 3 h 31 min
